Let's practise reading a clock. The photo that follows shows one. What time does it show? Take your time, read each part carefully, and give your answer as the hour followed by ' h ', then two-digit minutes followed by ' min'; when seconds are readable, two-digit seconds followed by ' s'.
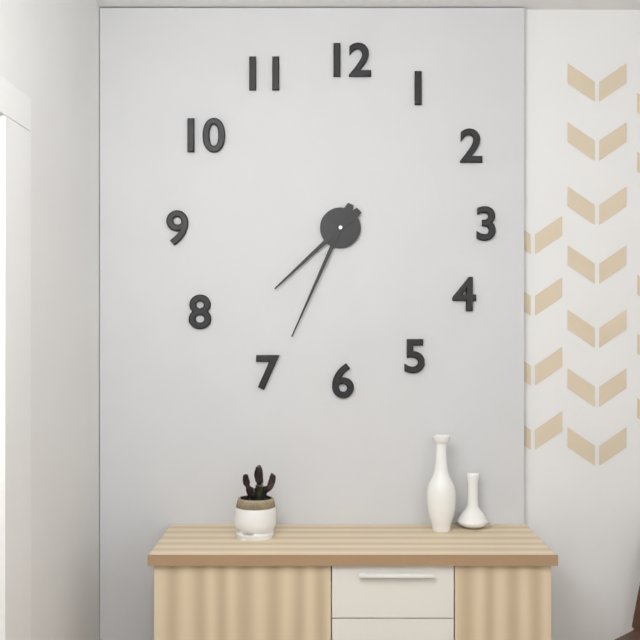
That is 7 h 34 min
